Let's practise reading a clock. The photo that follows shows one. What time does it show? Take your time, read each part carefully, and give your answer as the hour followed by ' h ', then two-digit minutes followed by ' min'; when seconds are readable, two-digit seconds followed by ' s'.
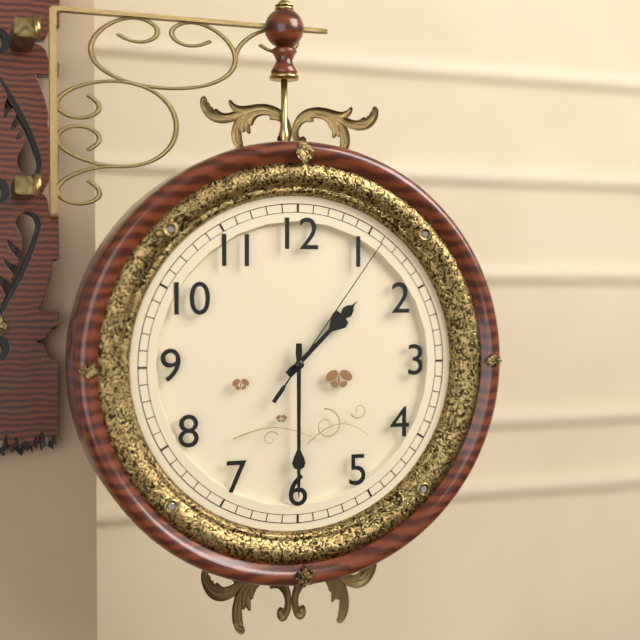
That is 1 h 30 min 06 s
